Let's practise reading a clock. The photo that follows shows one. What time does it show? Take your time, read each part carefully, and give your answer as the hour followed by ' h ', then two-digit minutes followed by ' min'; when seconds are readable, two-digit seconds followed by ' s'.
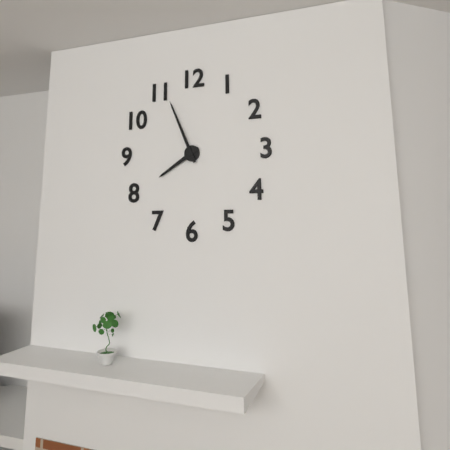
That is 7 h 56 min
